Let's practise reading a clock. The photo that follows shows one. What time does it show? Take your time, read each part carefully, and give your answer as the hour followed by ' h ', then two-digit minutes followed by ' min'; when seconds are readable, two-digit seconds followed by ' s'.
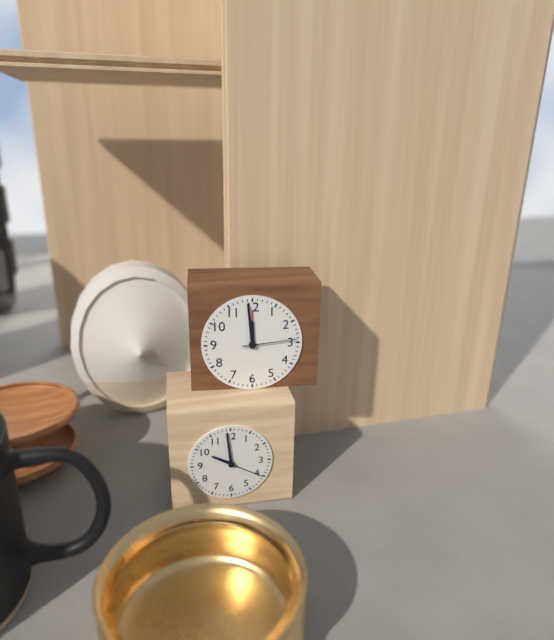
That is 11 h 59 min 14 s
